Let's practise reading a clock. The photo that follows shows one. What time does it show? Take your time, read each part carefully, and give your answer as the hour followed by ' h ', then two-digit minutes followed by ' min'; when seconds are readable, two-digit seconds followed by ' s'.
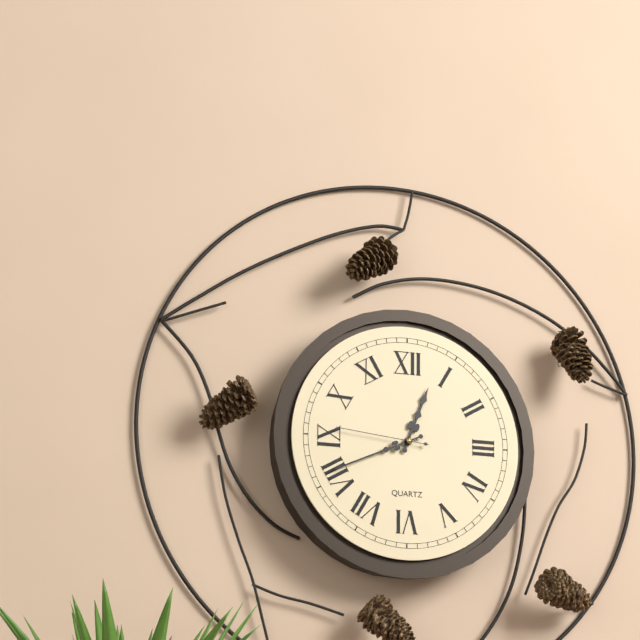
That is 12 h 41 min 46 s
